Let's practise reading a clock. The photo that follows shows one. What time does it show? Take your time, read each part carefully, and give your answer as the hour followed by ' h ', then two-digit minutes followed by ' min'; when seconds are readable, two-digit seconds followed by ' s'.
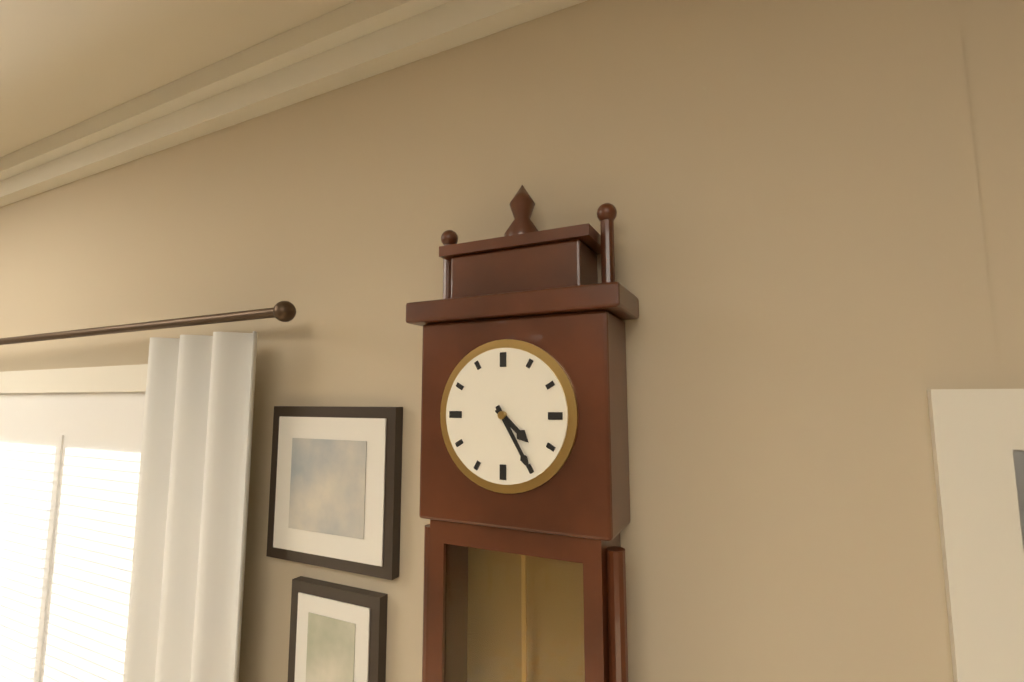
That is 4 h 25 min
